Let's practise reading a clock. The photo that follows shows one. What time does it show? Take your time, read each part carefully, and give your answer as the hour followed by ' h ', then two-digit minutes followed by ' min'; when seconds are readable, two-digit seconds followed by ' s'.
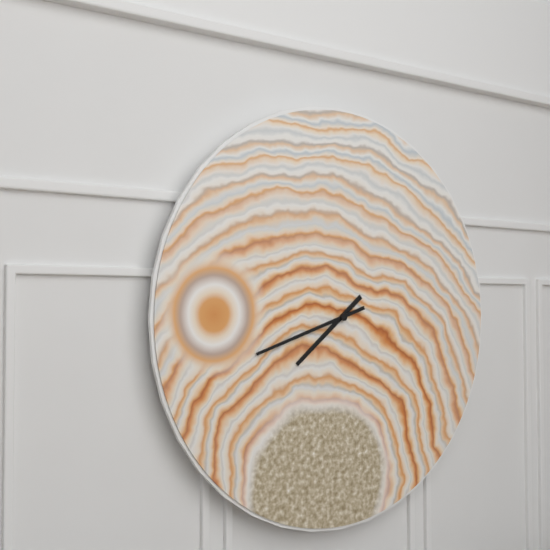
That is 7 h 42 min
